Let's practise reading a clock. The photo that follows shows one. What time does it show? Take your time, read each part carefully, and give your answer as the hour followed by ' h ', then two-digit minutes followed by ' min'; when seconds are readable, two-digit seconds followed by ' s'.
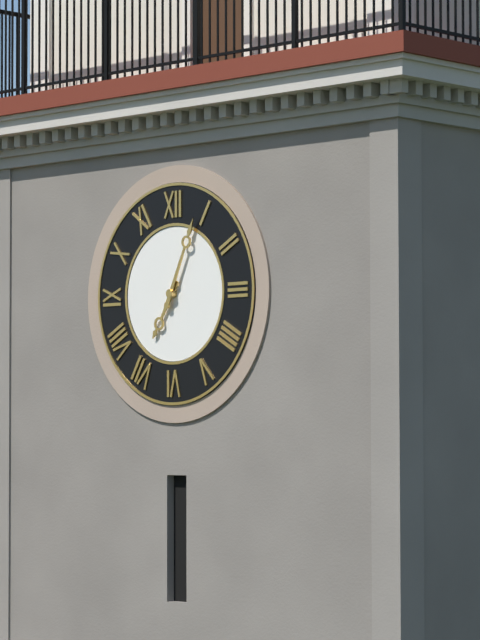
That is 7 h 04 min
